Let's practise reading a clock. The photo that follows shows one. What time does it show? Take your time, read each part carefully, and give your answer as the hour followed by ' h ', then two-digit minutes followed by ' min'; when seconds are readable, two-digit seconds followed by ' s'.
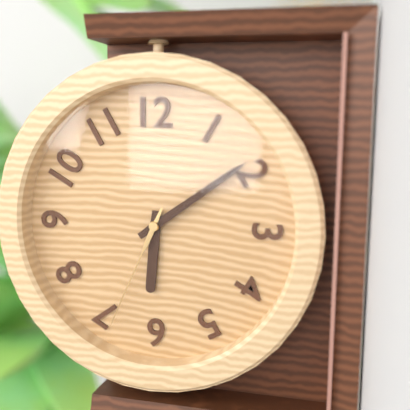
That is 6 h 09 min 34 s
